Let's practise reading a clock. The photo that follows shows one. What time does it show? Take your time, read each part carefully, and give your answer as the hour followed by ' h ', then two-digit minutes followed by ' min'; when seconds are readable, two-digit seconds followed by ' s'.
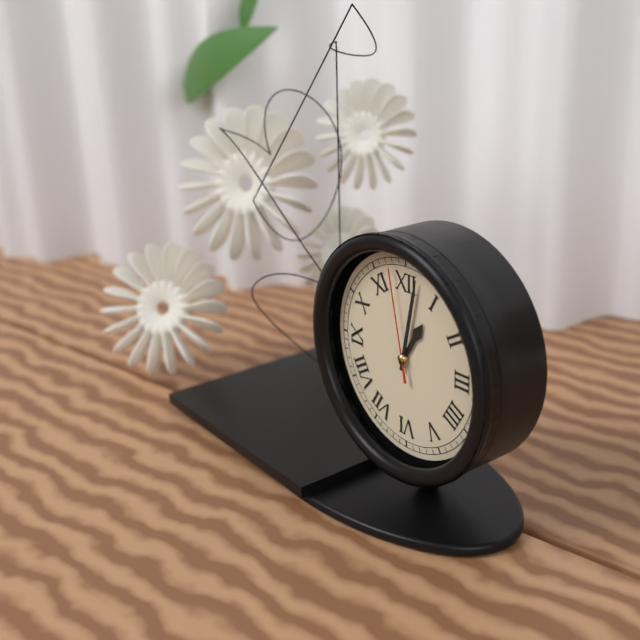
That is 1 h 02 min 58 s
